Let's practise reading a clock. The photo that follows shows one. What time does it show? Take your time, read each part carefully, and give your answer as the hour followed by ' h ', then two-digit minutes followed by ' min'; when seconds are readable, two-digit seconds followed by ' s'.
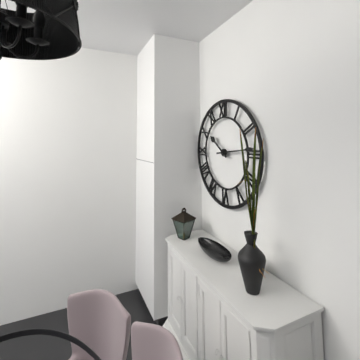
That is 10 h 14 min
